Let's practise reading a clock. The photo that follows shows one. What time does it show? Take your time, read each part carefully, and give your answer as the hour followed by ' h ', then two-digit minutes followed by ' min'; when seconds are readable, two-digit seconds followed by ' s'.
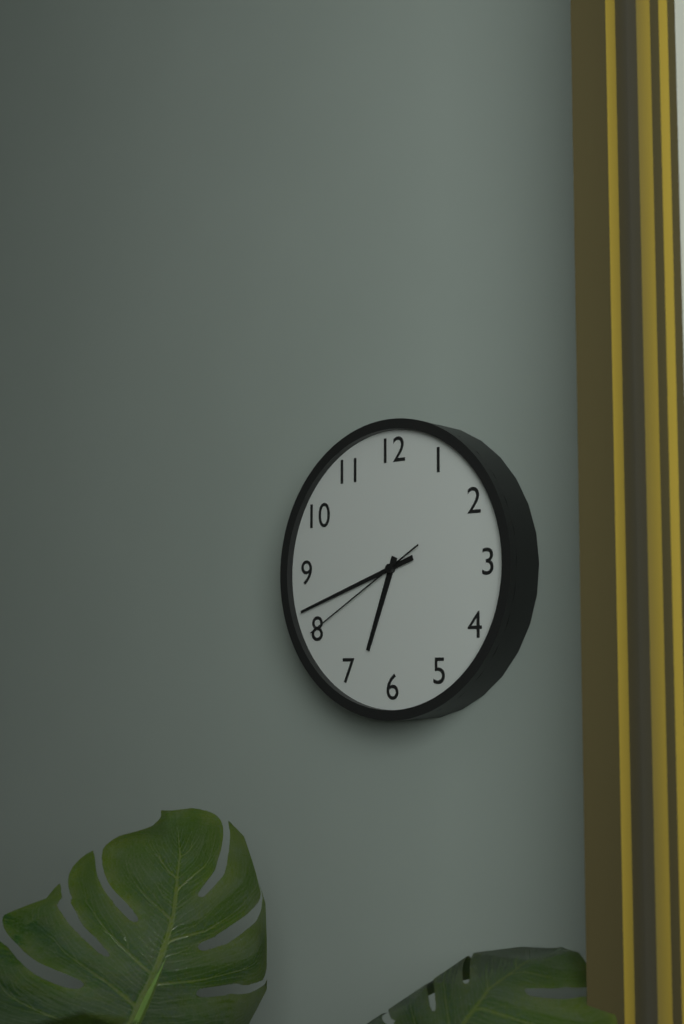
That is 6 h 42 min 40 s
